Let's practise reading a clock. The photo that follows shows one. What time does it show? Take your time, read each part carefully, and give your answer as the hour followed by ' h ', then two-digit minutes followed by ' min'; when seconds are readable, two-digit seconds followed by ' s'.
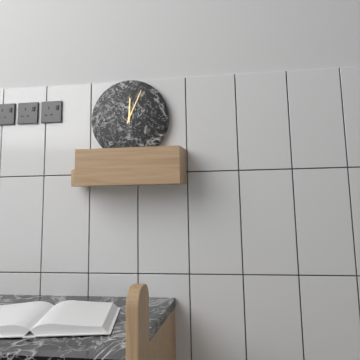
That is 12 h 04 min
